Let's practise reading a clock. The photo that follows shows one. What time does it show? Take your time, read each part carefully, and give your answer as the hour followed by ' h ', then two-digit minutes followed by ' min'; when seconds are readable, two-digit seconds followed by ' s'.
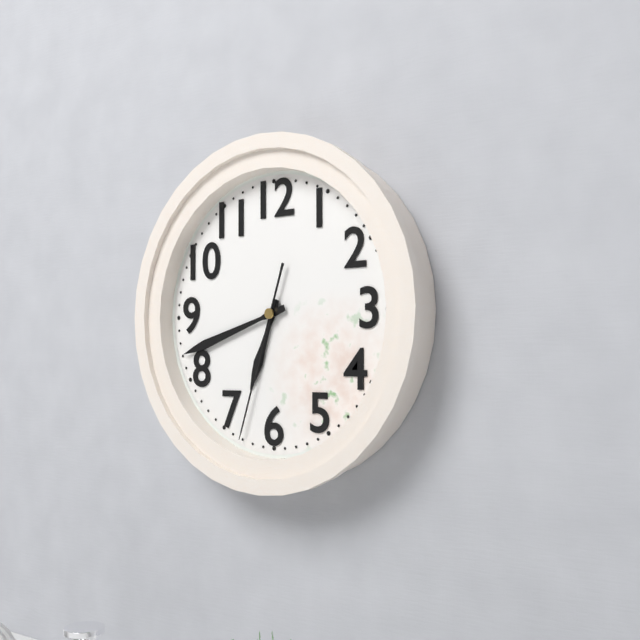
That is 6 h 42 min 33 s
